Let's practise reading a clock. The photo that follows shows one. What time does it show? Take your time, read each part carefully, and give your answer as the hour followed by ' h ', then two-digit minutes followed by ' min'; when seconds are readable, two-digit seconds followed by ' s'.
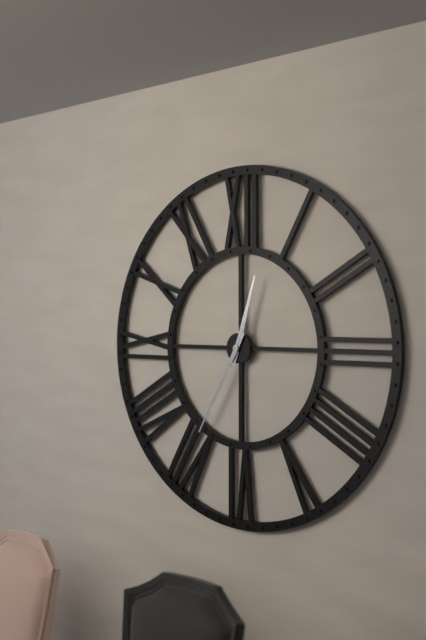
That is 12 h 35 min
